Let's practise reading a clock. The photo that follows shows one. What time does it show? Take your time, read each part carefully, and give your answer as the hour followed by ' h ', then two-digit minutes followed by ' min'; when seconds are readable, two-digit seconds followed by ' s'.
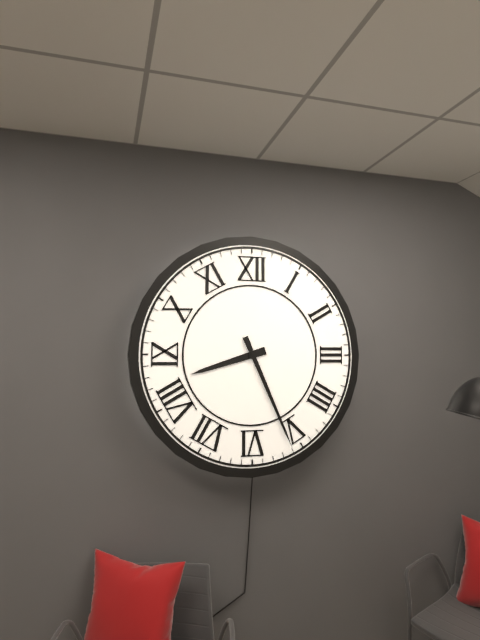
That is 8 h 26 min
